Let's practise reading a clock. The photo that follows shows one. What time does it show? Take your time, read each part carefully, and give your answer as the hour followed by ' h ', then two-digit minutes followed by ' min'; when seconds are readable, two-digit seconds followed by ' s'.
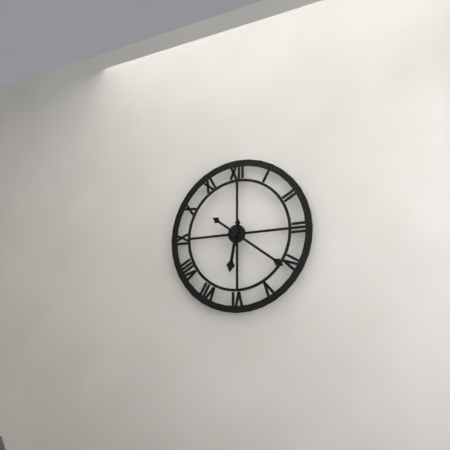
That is 6 h 21 min
